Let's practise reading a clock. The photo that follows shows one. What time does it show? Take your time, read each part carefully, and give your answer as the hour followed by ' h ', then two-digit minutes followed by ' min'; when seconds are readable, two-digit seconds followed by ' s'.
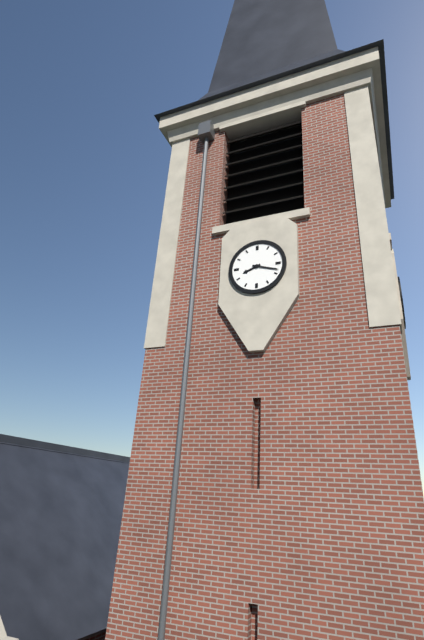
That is 8 h 18 min
